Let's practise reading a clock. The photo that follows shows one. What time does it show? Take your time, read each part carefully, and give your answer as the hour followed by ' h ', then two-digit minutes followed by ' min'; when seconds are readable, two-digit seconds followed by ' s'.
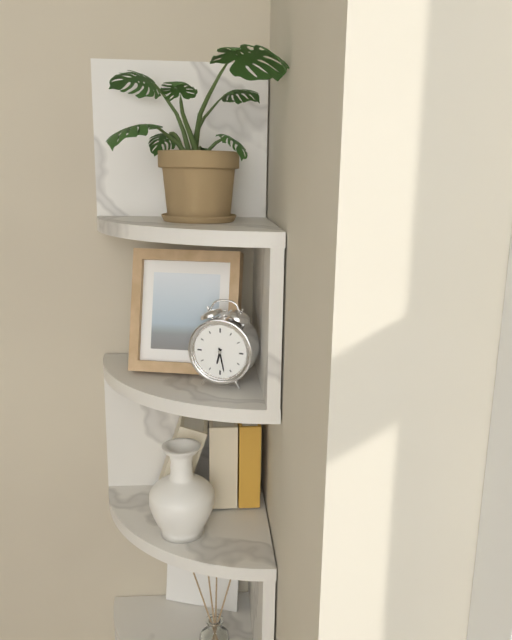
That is 6 h 28 min
